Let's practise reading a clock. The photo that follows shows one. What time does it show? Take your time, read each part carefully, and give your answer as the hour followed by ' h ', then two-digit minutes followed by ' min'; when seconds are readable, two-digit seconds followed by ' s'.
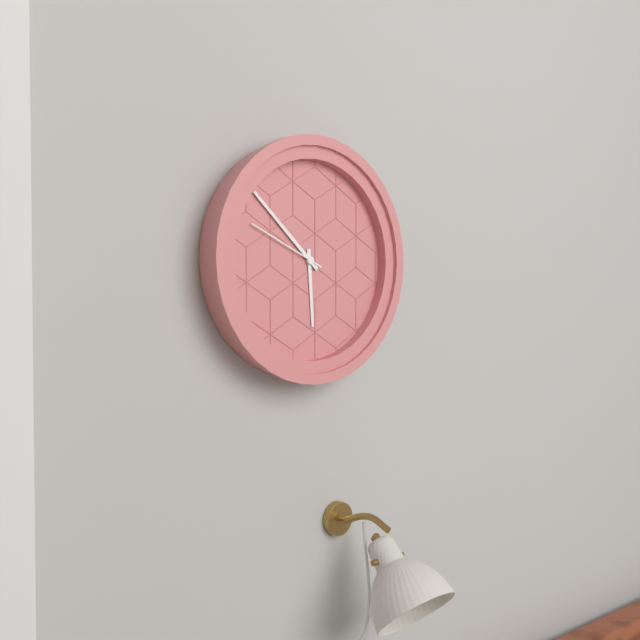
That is 5 h 52 min 49 s
